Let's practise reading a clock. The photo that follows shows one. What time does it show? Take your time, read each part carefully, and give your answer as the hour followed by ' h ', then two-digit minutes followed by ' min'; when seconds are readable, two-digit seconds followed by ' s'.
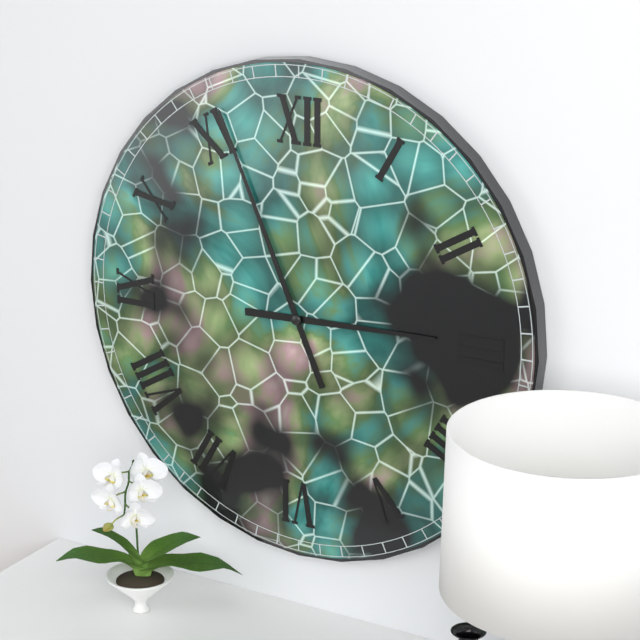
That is 2 h 56 min
